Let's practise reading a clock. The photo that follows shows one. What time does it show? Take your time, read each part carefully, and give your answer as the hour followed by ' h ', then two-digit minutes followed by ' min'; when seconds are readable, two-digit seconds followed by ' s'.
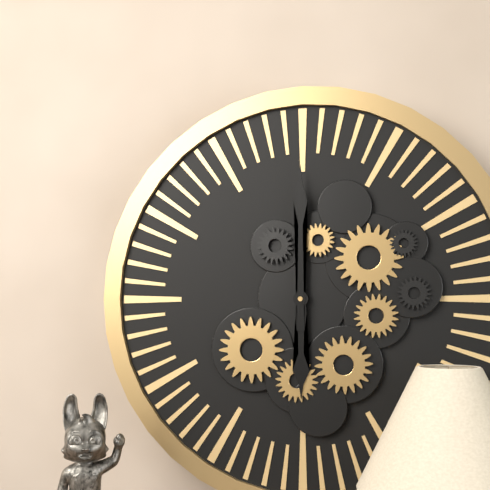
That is 6 h 00 min
